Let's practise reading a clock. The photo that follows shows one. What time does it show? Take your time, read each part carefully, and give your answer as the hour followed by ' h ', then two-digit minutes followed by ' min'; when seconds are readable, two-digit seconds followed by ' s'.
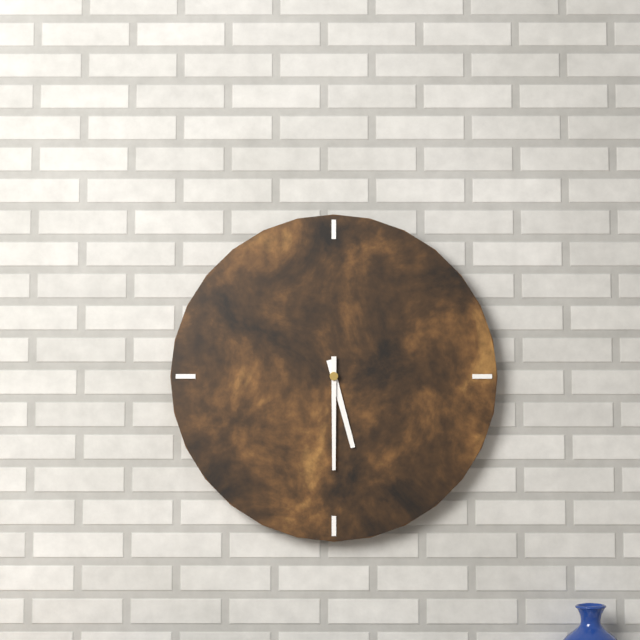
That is 5 h 30 min
